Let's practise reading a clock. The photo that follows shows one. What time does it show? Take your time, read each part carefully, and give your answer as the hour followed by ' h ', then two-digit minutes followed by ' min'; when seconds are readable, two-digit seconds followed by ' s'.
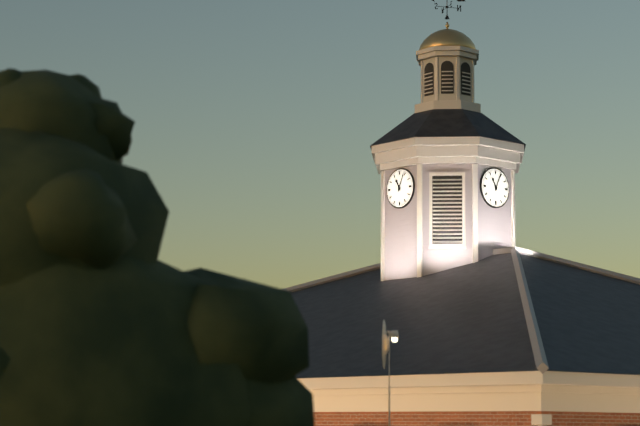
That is 11 h 04 min
